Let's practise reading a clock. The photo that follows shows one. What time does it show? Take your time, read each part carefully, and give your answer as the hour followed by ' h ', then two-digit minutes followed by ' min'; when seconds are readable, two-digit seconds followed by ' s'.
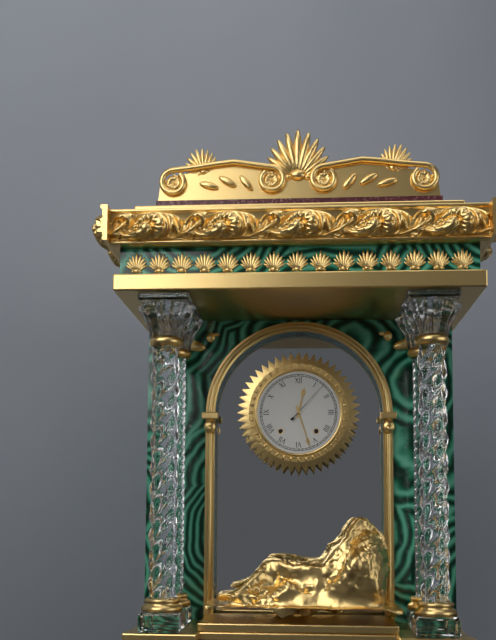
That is 12 h 27 min
